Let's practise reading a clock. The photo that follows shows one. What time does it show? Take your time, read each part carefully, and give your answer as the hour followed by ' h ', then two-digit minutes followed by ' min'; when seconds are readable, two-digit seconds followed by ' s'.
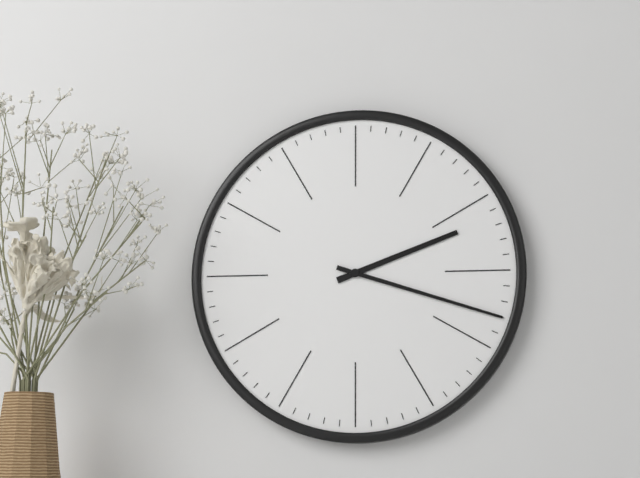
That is 2 h 18 min
